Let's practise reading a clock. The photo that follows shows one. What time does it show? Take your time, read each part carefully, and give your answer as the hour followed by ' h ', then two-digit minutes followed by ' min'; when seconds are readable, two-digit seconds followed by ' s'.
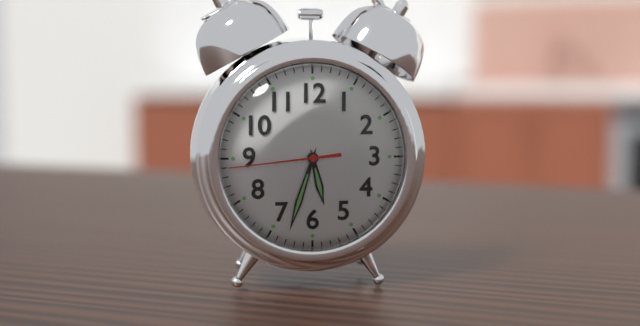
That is 5 h 33 min 44 s
